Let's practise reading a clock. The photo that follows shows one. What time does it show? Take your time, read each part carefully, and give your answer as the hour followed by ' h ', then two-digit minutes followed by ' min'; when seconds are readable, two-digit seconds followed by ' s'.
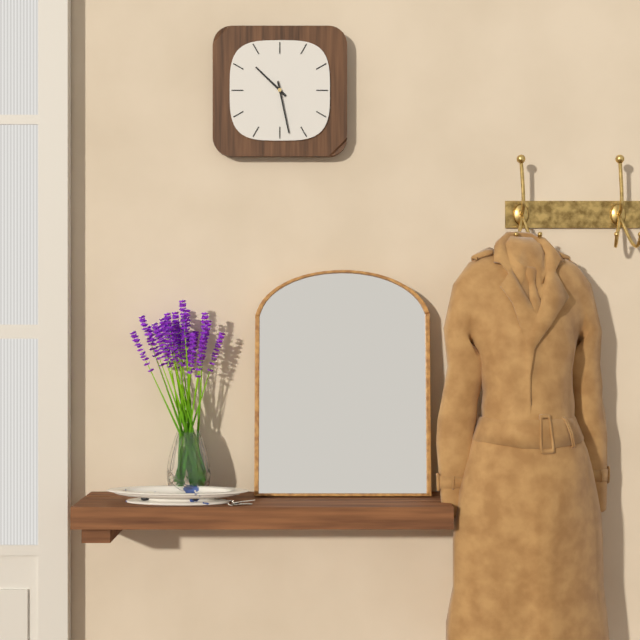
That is 10 h 28 min
